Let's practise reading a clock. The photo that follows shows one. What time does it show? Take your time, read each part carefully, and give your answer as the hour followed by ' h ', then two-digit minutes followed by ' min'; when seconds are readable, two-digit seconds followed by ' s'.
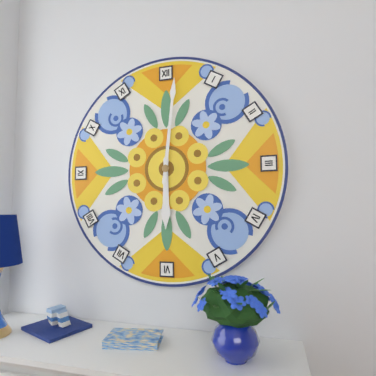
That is 6 h 01 min
